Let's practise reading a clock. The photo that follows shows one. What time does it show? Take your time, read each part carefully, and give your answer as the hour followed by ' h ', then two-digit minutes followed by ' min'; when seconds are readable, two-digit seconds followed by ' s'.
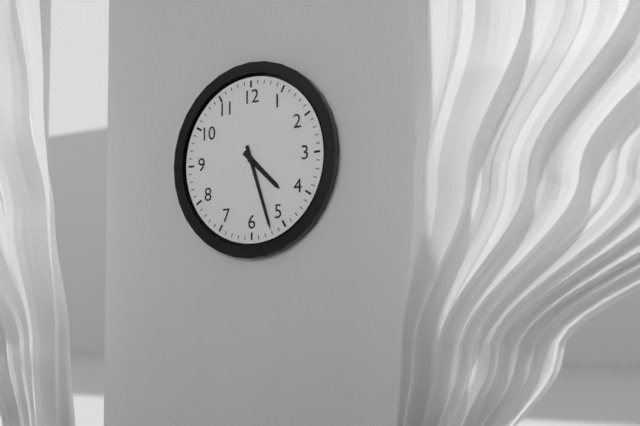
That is 4 h 27 min
